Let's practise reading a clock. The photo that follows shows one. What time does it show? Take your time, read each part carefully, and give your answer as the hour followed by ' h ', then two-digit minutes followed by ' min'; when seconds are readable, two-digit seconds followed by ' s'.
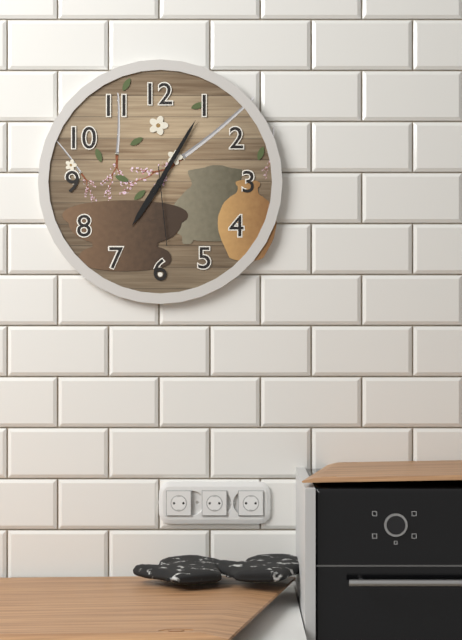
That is 7 h 05 min 29 s
